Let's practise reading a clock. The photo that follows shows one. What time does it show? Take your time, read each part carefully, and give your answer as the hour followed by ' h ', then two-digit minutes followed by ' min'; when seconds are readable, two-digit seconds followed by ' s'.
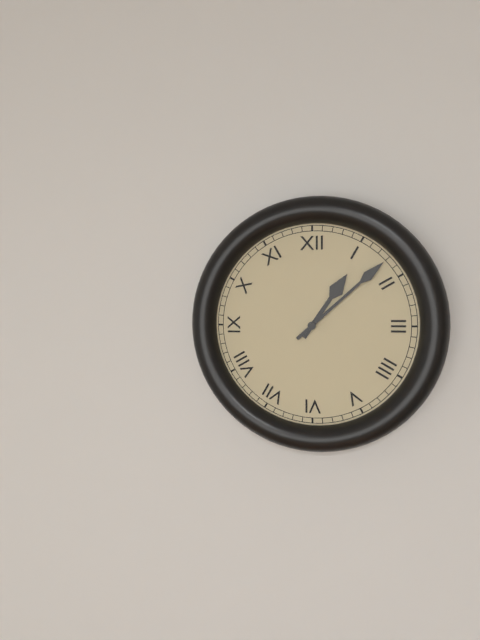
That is 1 h 08 min
